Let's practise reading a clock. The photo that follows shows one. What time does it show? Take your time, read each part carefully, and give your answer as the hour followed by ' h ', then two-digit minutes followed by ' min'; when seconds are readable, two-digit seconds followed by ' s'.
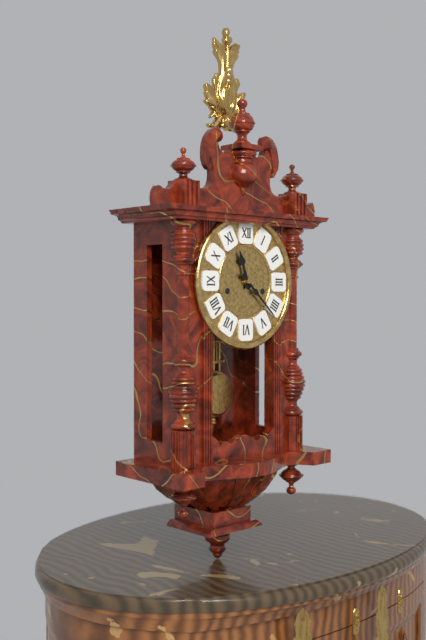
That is 11 h 22 min
